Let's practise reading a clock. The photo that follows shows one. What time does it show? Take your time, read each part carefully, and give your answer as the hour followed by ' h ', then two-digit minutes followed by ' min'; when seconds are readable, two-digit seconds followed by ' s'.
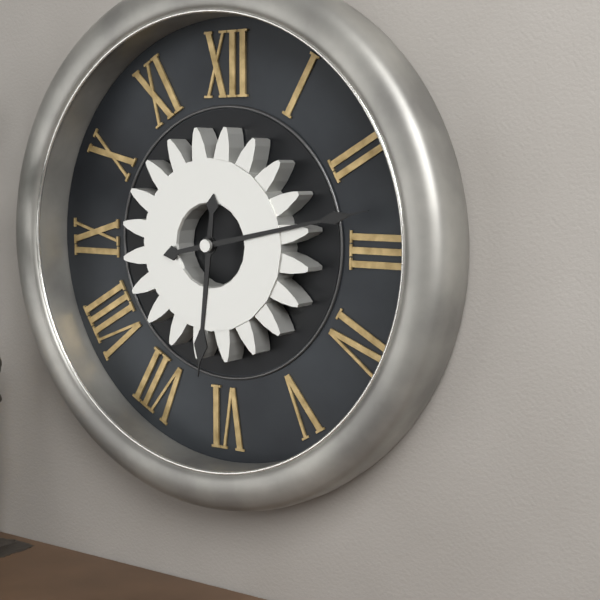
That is 6 h 13 min
